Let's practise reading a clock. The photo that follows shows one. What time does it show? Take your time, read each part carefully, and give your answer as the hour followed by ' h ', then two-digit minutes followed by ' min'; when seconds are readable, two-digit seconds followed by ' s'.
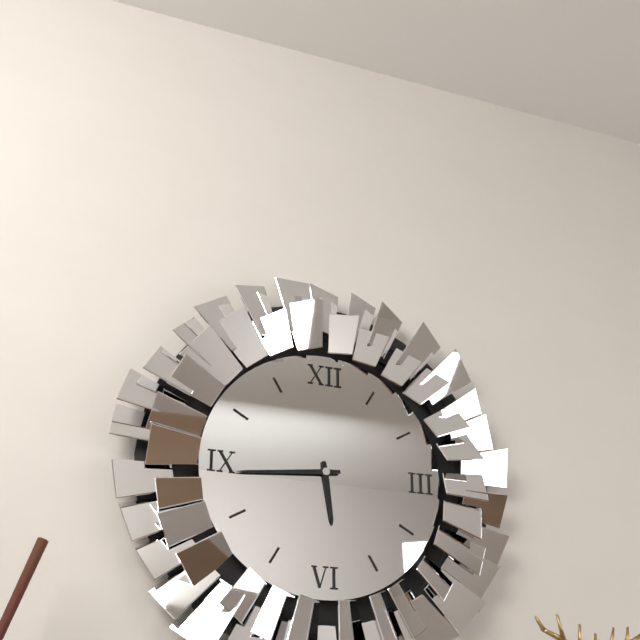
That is 5 h 44 min
